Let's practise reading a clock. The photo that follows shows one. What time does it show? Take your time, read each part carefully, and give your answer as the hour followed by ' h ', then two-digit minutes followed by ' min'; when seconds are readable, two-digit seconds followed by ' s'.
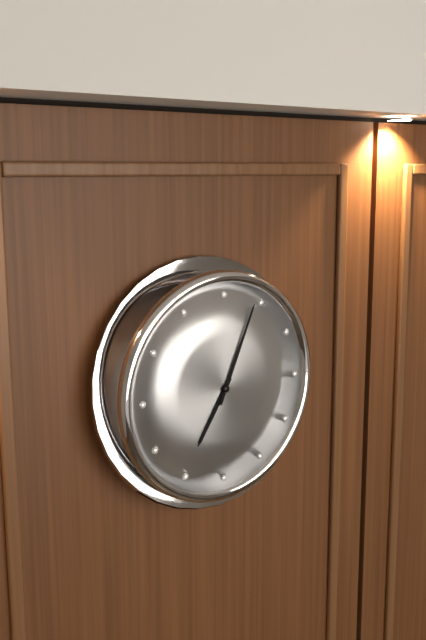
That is 7 h 04 min
